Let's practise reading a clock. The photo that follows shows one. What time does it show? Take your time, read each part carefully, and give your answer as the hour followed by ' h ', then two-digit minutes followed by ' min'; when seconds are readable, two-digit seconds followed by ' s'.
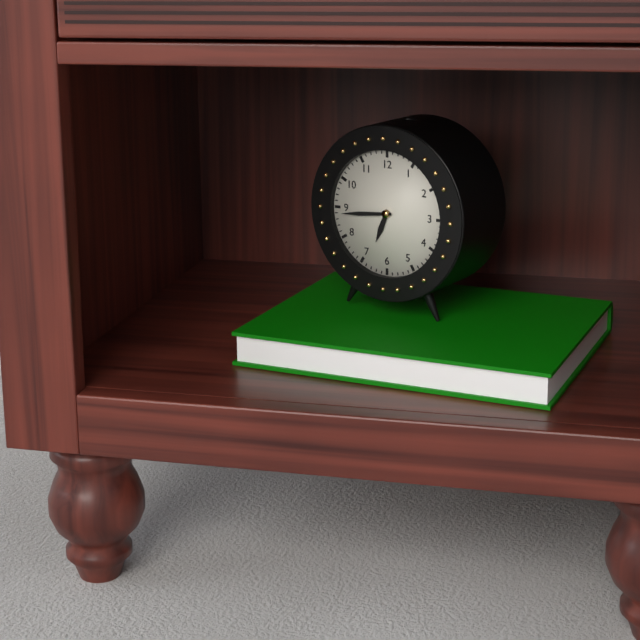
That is 6 h 44 min
